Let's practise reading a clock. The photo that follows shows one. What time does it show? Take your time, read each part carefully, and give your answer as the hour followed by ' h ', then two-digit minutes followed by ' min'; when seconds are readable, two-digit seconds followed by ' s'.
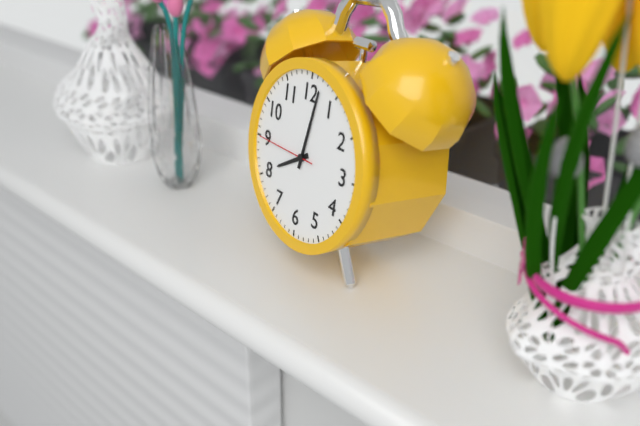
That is 8 h 02 min 45 s
